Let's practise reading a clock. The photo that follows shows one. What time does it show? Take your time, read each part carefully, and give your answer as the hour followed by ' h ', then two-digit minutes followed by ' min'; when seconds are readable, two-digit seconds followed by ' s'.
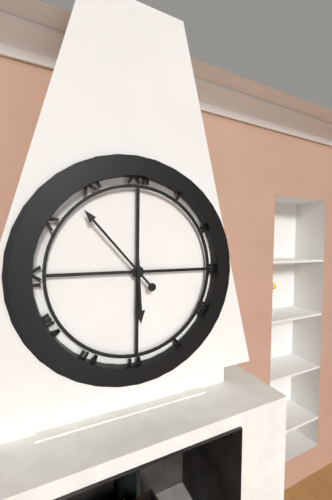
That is 5 h 53 min
